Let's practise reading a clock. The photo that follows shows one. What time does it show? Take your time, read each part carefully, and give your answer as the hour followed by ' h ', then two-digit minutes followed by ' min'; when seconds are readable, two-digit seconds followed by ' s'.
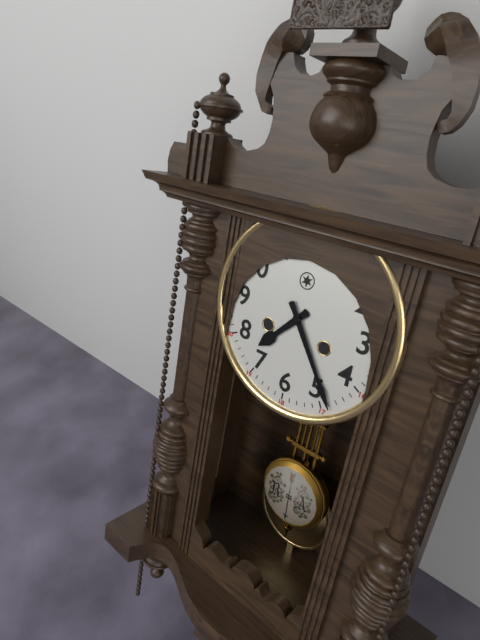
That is 7 h 24 min
